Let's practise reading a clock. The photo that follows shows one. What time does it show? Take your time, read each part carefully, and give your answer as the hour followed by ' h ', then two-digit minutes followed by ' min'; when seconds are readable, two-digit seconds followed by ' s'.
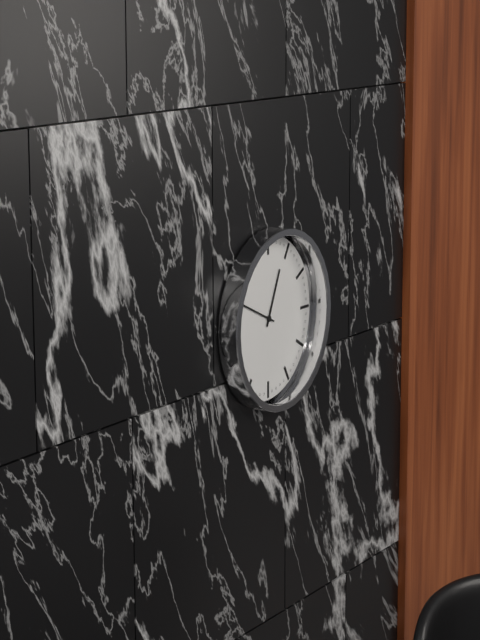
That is 12 h 49 min
